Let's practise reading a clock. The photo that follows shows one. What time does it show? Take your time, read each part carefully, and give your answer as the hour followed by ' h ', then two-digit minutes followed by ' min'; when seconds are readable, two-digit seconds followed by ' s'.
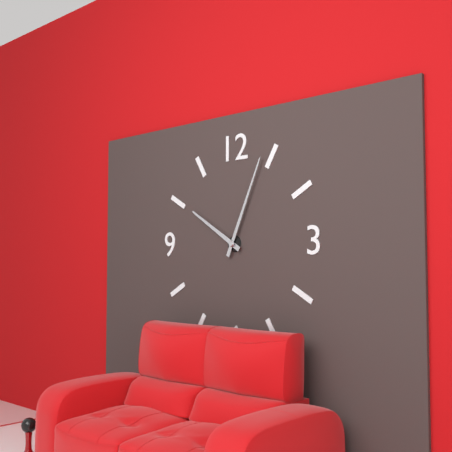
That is 10 h 04 min
